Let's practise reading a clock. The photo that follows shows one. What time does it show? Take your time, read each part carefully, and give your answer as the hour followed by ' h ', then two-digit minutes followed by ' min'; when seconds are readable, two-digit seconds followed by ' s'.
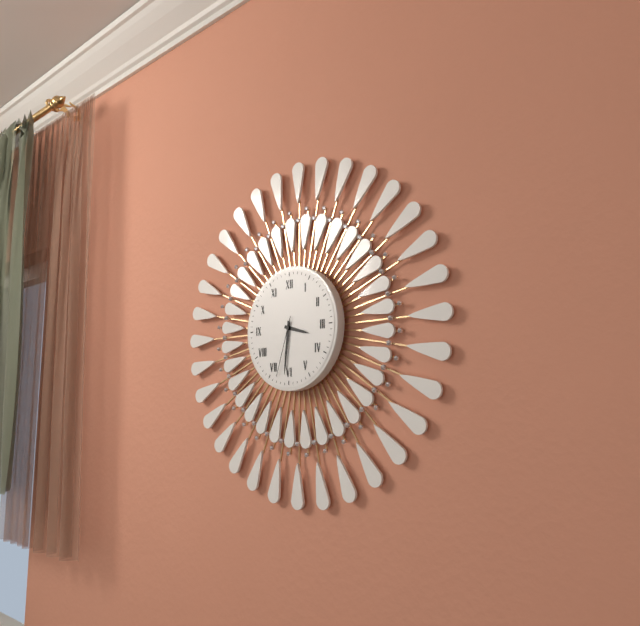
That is 3 h 31 min 33 s
